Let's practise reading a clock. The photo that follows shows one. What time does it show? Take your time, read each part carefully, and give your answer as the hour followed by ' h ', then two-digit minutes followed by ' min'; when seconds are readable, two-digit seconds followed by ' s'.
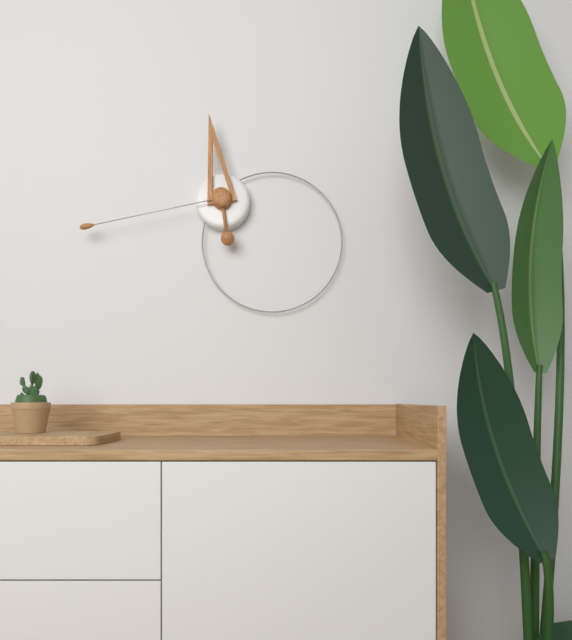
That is 11 h 43 min
